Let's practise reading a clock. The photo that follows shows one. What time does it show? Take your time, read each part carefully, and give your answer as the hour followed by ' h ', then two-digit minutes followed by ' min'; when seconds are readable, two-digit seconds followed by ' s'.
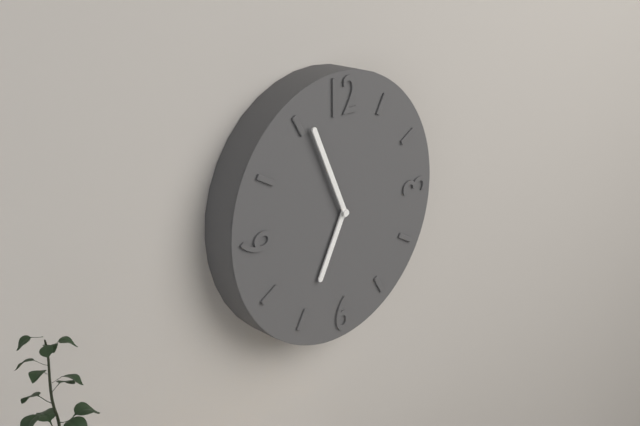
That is 6 h 56 min
